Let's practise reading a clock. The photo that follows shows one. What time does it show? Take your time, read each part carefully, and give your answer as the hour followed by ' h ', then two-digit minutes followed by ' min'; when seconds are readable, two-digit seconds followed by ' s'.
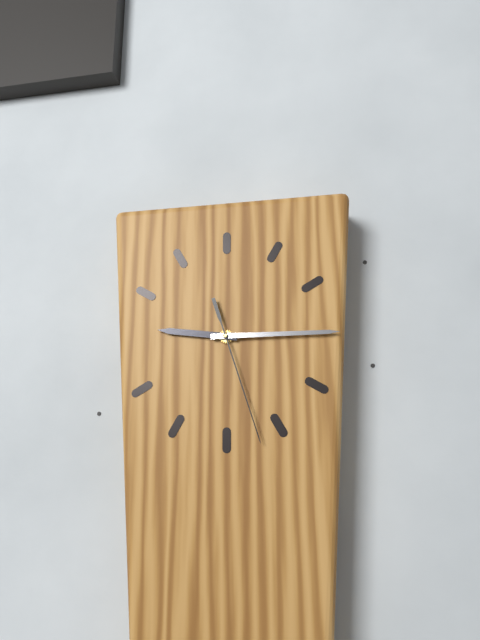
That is 9 h 15 min 27 s
